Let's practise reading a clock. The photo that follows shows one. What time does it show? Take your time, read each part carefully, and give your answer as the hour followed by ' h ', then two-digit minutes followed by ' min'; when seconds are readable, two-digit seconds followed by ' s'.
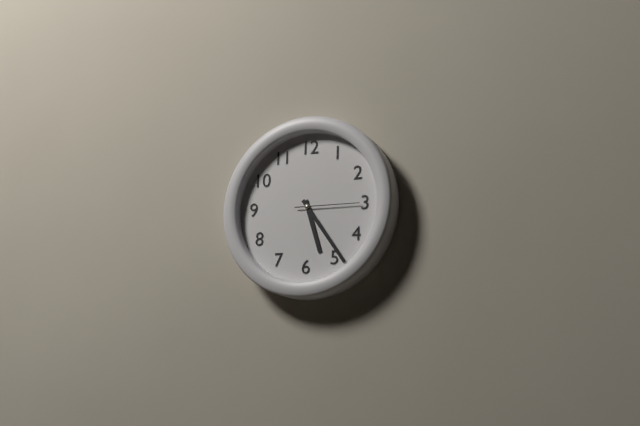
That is 5 h 24 min 15 s
